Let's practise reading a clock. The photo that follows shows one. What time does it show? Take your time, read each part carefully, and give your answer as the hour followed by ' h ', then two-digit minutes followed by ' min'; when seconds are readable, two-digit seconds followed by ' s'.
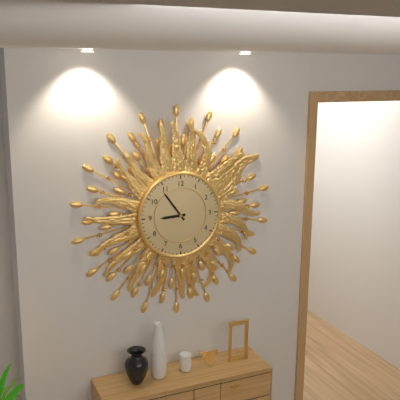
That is 8 h 54 min
